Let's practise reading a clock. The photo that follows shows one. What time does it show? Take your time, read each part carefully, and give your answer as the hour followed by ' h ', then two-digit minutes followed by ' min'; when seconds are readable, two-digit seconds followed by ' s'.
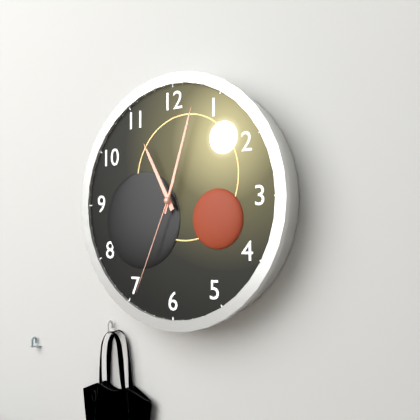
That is 11 h 03 min 34 s
